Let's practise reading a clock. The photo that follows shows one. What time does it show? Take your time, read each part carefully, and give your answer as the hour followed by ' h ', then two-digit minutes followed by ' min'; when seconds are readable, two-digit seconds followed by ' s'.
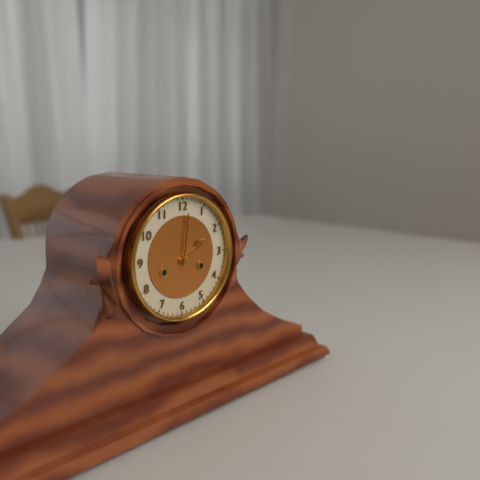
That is 2 h 01 min
